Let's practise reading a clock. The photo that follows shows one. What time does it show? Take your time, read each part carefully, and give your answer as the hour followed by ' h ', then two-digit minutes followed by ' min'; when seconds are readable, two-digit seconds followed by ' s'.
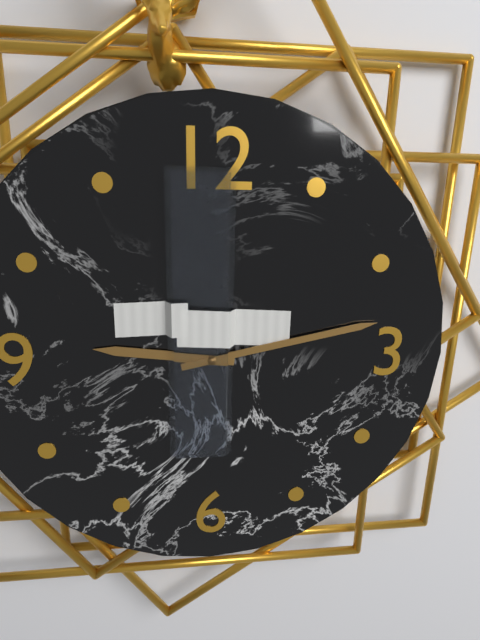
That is 9 h 13 min
